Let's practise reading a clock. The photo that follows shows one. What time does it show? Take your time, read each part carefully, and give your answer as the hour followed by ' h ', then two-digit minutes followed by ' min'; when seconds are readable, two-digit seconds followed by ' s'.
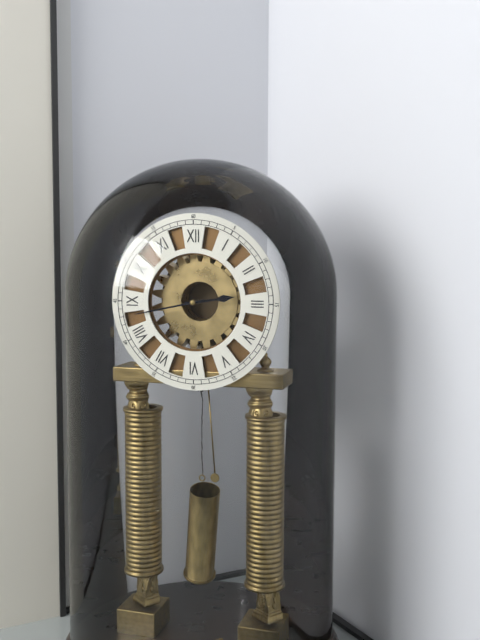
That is 2 h 43 min
